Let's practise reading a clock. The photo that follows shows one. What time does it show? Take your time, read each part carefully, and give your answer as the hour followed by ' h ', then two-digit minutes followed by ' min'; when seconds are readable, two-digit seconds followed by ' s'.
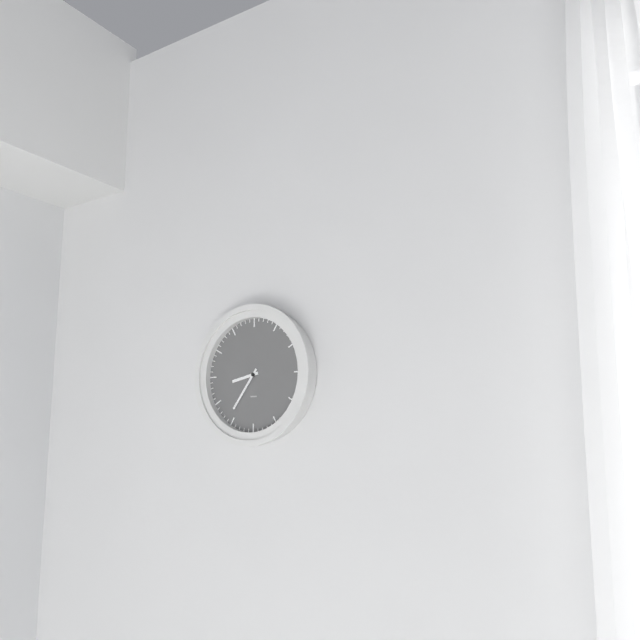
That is 8 h 36 min
